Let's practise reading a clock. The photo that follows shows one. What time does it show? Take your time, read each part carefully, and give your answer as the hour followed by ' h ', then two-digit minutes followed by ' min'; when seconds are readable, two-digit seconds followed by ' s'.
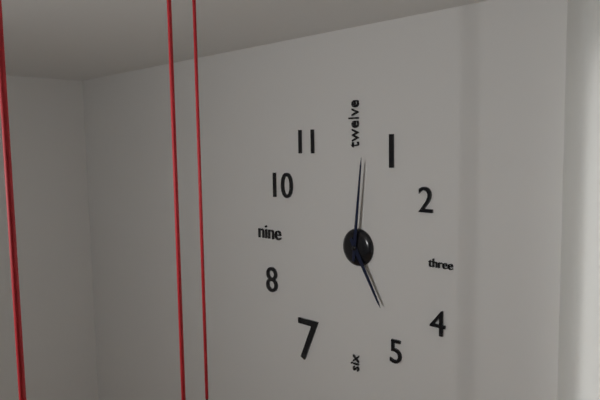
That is 5 h 01 min
